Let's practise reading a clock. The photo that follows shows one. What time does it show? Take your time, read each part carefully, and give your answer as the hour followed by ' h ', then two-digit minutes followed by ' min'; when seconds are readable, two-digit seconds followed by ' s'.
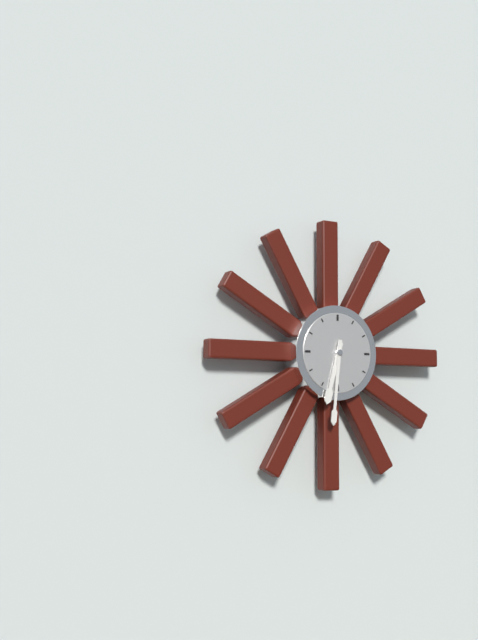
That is 6 h 31 min
